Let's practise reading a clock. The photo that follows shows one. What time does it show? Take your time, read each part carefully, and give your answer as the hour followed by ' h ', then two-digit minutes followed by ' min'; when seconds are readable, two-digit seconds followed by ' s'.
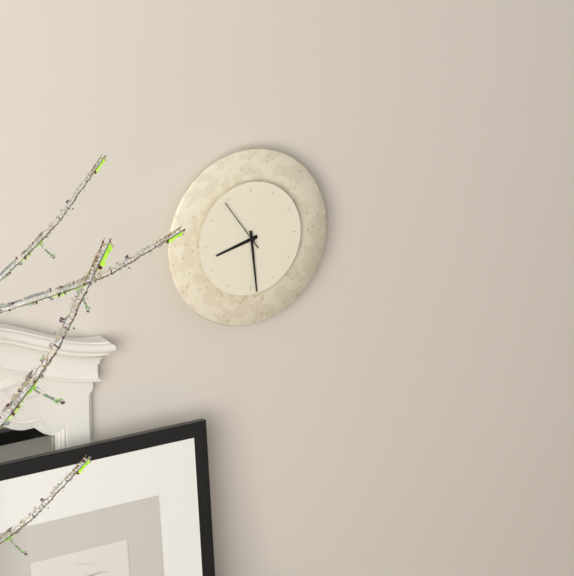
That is 8 h 29 min 54 s
